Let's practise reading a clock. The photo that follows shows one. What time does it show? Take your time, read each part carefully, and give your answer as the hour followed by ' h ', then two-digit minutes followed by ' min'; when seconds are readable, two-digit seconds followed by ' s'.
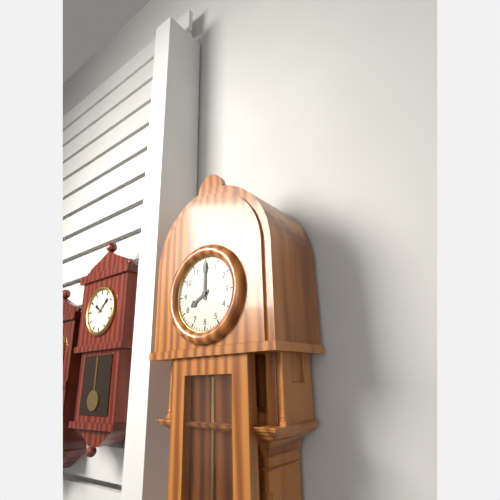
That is 8 h 00 min
